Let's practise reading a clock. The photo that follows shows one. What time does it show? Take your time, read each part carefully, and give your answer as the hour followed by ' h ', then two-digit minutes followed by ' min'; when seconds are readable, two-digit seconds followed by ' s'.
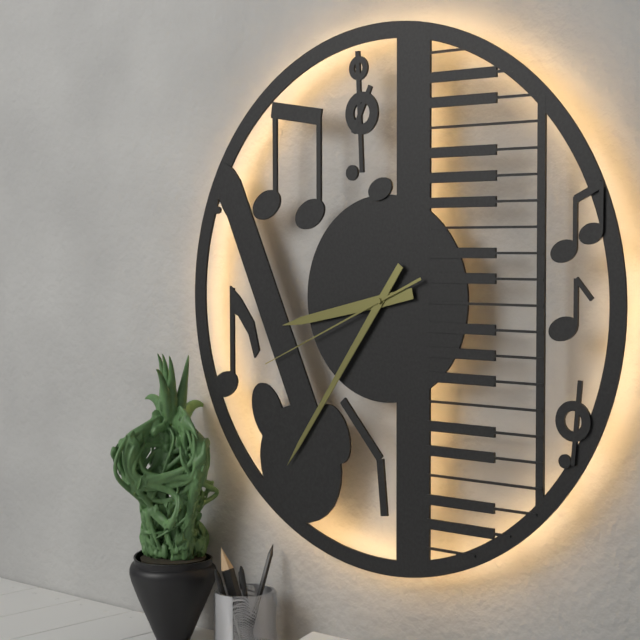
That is 8 h 36 min 41 s
